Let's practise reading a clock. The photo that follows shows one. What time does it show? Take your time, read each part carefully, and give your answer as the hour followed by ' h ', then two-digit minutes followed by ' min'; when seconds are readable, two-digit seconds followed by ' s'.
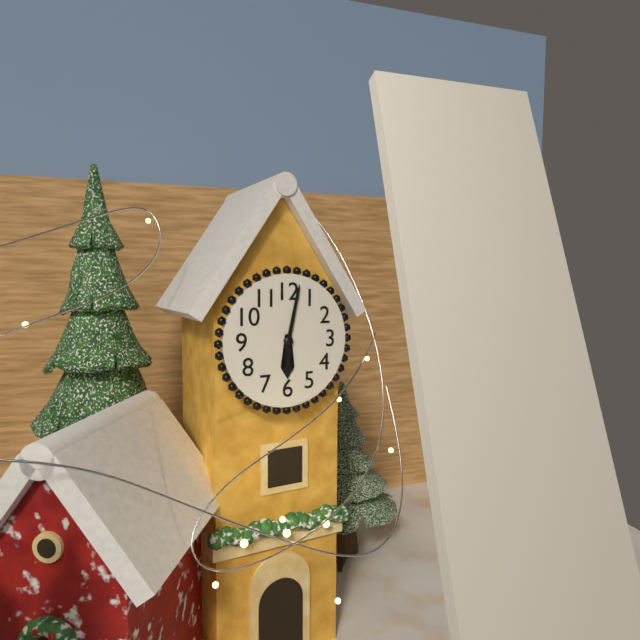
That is 6 h 02 min
